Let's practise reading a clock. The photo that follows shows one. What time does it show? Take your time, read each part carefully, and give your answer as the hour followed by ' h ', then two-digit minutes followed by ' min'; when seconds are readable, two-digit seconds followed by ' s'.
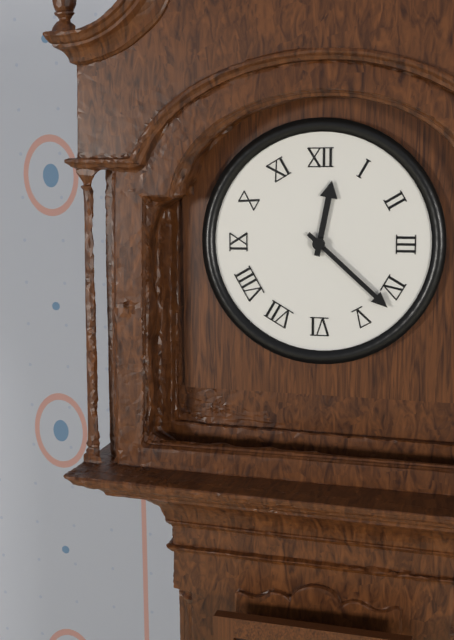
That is 12 h 22 min
